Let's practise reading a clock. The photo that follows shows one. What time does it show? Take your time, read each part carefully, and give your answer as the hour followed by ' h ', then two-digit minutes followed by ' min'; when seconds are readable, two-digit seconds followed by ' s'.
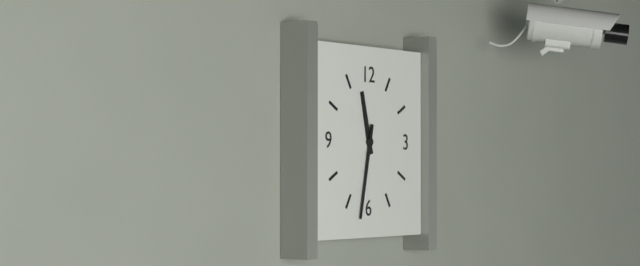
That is 11 h 32 min
